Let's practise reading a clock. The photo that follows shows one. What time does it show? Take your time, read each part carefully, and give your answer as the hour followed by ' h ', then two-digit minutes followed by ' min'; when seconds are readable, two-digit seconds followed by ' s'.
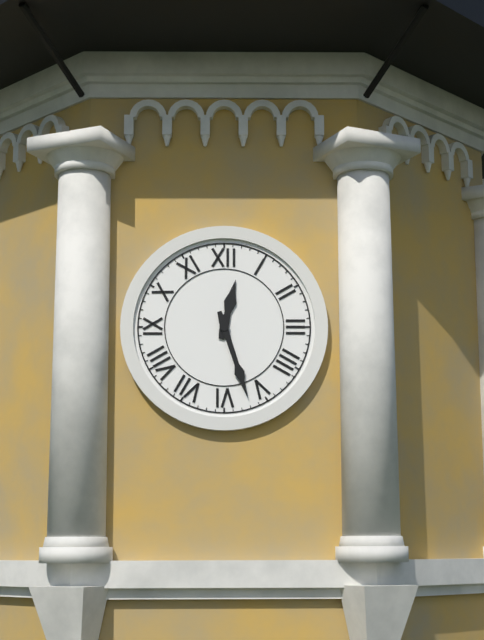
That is 12 h 27 min
